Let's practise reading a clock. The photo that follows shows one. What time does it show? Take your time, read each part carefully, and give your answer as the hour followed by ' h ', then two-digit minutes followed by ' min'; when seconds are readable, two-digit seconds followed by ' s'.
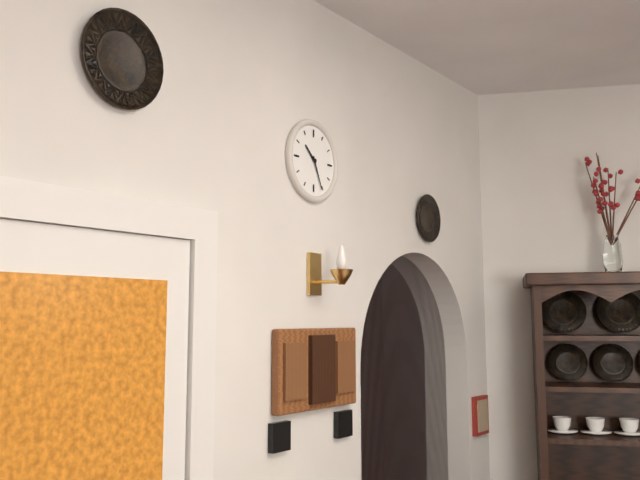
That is 10 h 26 min
